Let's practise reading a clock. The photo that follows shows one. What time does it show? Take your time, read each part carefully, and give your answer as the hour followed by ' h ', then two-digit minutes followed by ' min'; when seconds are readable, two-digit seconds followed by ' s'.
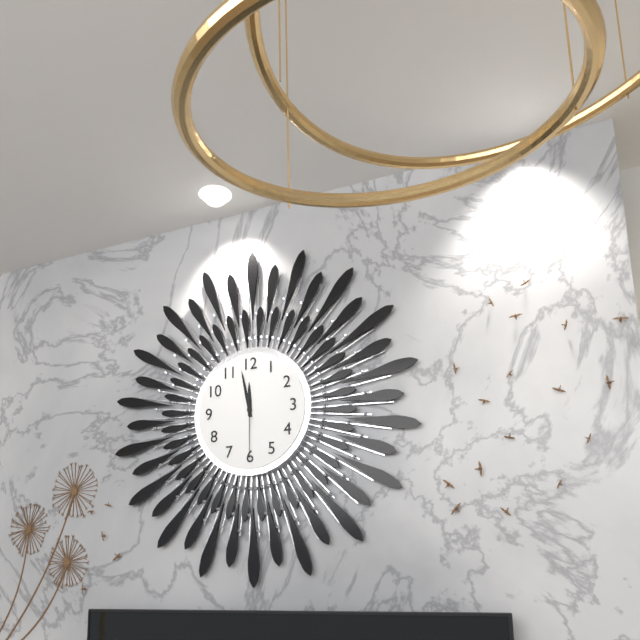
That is 11 h 58 min 30 s
